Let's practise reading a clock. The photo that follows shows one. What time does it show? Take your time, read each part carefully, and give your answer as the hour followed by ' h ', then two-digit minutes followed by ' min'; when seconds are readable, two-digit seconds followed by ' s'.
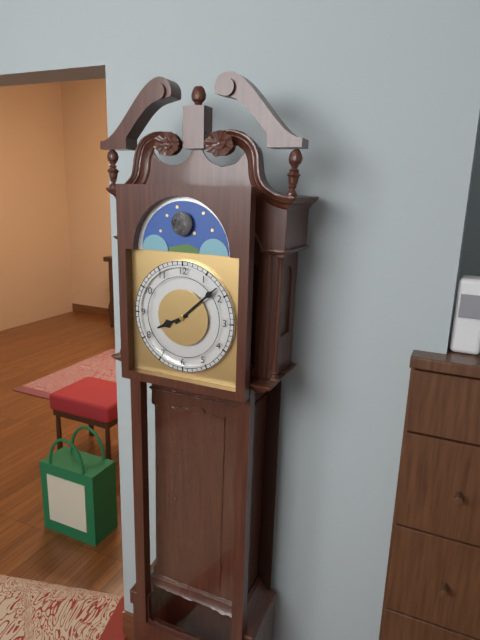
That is 8 h 08 min
